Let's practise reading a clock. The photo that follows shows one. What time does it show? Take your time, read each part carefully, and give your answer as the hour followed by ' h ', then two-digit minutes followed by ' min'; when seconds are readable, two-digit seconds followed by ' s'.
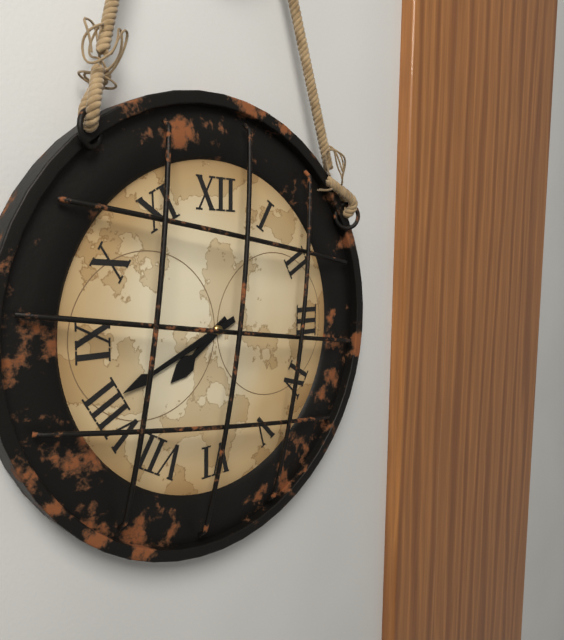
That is 7 h 41 min
